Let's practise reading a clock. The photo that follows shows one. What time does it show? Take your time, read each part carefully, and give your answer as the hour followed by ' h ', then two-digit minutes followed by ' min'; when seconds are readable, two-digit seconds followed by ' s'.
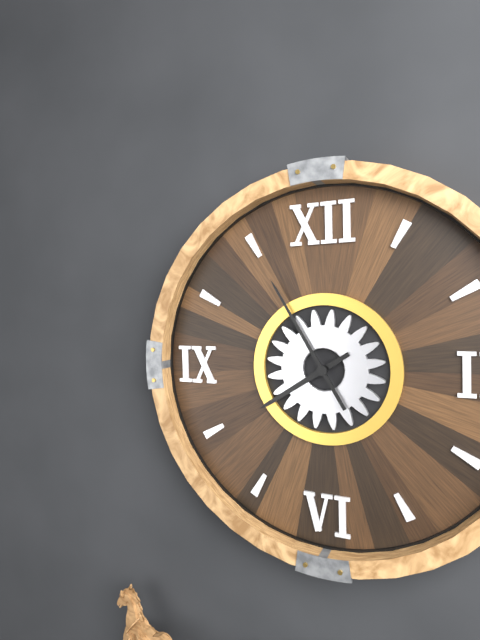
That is 7 h 55 min
